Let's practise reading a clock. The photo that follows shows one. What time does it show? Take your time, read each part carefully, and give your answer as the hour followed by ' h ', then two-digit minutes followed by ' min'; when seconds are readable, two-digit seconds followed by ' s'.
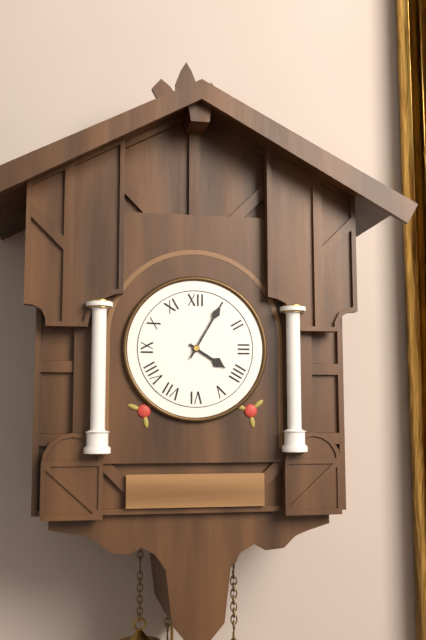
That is 4 h 05 min
